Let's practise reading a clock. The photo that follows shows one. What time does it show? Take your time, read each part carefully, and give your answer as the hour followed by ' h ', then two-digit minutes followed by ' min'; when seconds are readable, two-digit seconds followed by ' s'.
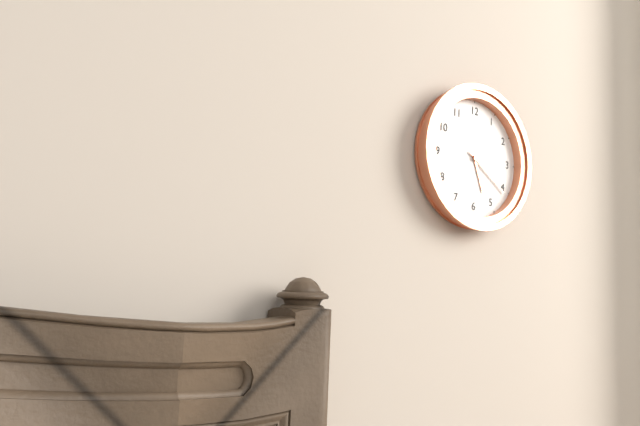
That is 5 h 21 min
